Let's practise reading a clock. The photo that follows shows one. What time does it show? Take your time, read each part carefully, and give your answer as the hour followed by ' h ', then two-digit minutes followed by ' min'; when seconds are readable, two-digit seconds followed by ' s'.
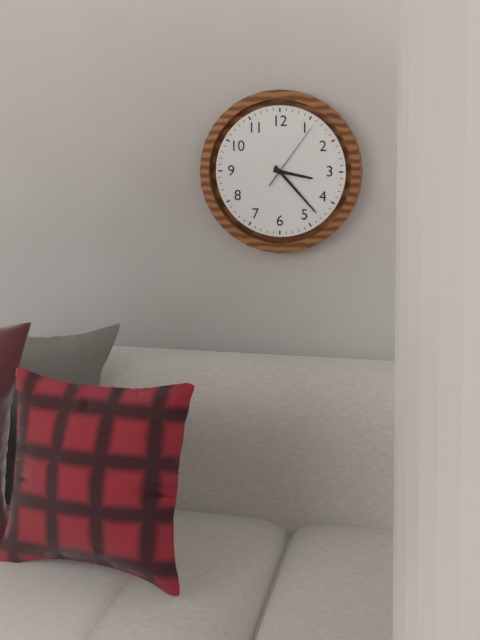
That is 3 h 23 min 06 s
